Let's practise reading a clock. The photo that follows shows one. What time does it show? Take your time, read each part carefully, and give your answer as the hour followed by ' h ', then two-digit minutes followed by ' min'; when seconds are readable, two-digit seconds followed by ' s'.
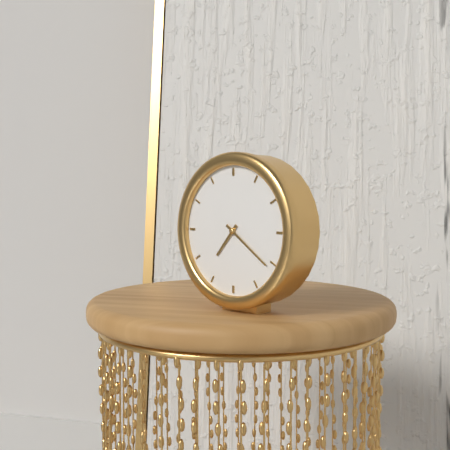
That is 7 h 21 min
